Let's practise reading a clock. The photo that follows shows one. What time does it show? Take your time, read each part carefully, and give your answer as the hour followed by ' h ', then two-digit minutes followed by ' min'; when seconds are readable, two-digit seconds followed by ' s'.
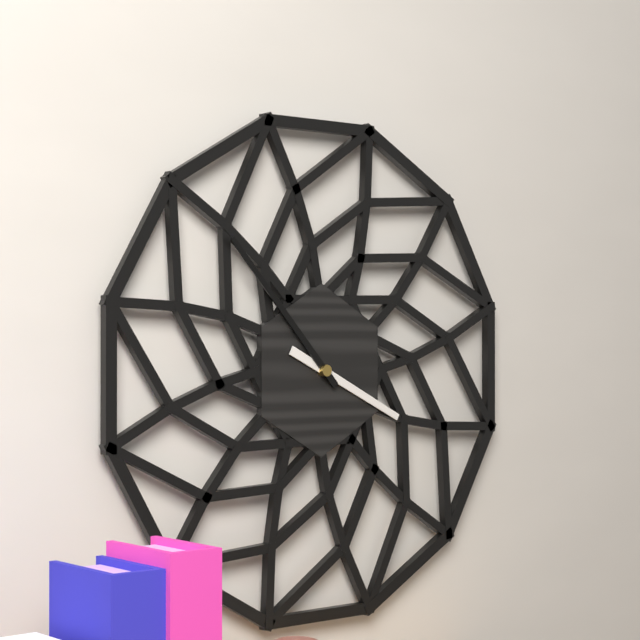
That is 3 h 53 min
